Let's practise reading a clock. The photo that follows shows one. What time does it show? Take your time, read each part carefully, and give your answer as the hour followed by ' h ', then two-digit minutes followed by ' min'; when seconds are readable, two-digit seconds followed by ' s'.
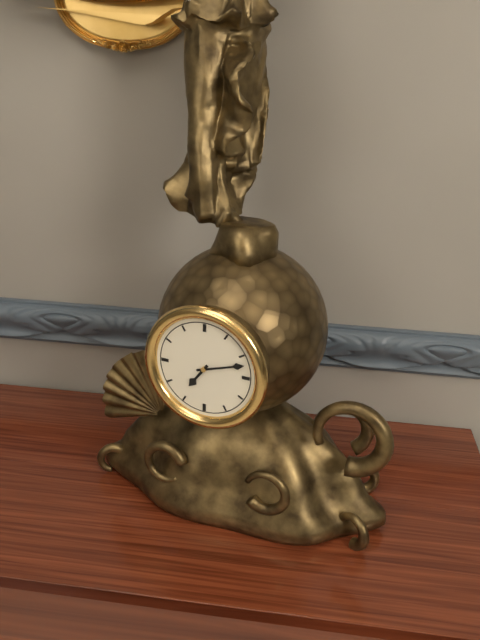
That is 7 h 12 min
